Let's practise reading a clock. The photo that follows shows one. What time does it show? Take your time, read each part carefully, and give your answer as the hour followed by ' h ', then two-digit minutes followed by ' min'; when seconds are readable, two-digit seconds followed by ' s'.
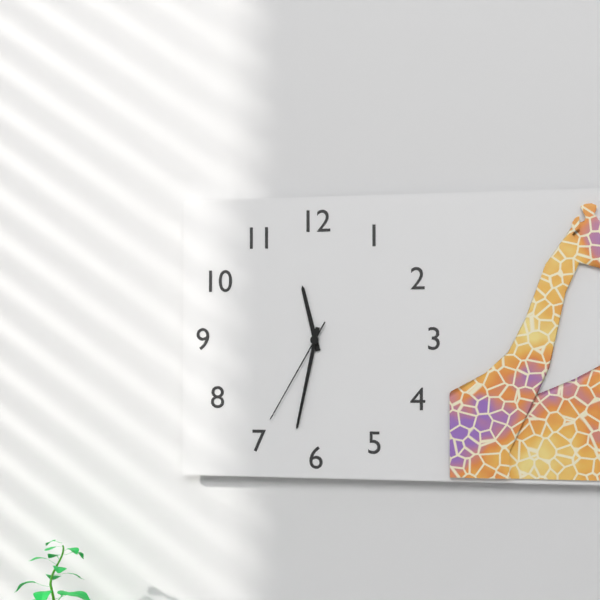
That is 11 h 32 min 35 s
